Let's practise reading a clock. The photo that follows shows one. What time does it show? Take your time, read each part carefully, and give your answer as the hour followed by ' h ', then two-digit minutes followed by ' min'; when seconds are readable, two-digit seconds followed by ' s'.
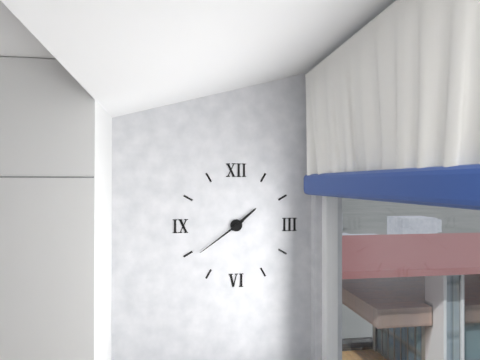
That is 1 h 39 min
